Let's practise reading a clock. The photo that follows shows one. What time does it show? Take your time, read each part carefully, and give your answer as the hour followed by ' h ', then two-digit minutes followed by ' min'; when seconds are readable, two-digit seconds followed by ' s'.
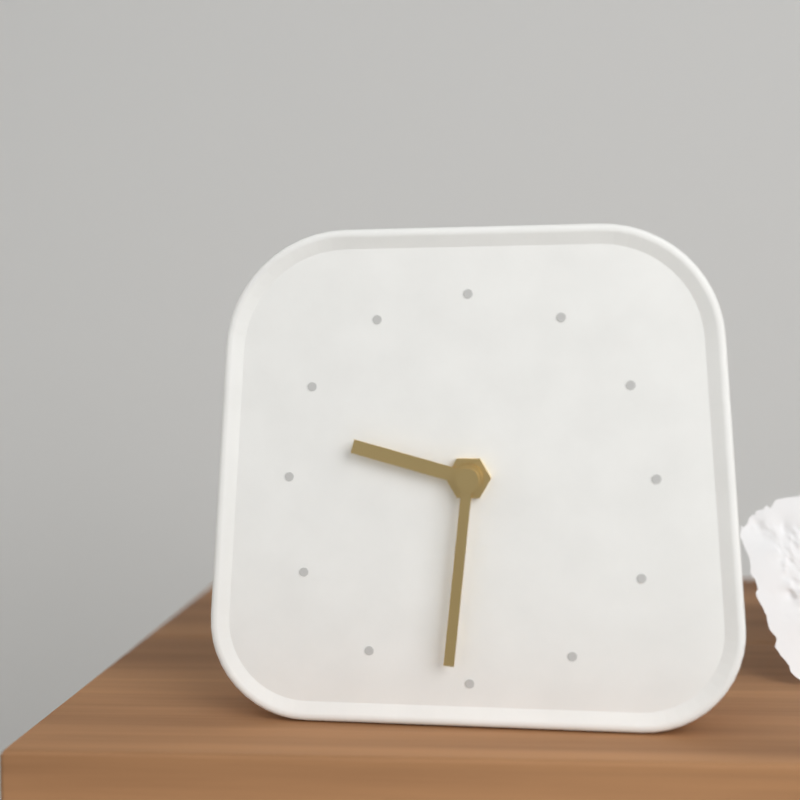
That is 9 h 31 min
